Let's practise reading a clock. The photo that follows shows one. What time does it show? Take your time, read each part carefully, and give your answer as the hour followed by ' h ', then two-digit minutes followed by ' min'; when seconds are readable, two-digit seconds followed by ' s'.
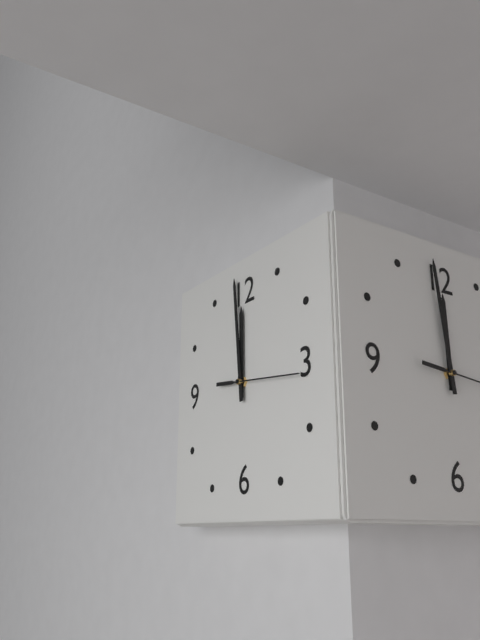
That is 11 h 59 min 16 s
